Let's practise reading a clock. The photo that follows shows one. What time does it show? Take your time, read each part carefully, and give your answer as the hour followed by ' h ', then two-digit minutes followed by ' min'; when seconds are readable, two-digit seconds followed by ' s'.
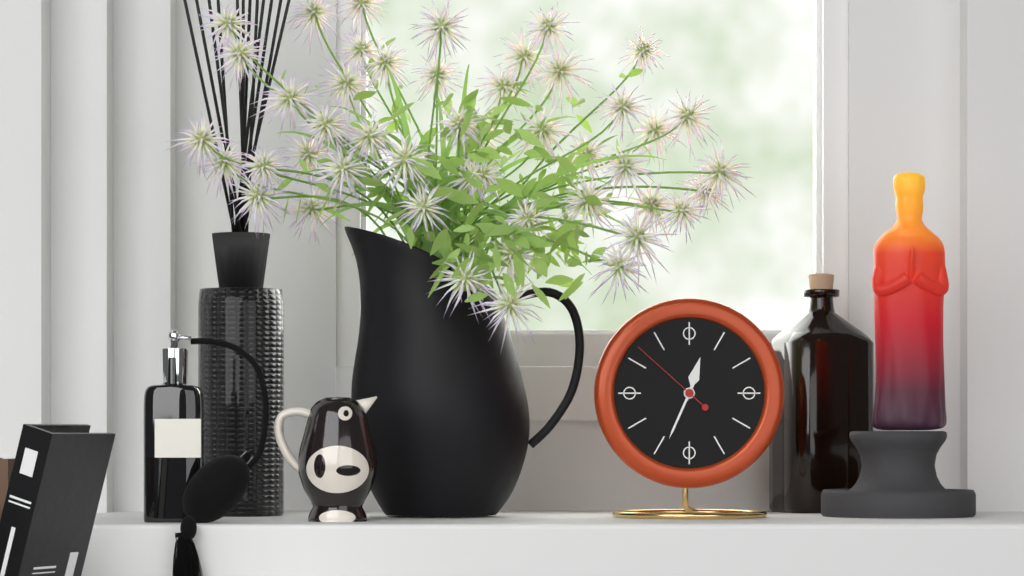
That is 12 h 34 min 52 s
